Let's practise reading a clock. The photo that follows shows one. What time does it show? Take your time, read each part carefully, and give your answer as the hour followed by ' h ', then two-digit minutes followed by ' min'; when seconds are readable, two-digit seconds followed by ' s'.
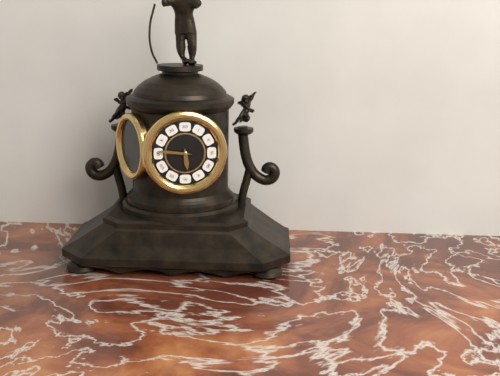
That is 5 h 46 min
